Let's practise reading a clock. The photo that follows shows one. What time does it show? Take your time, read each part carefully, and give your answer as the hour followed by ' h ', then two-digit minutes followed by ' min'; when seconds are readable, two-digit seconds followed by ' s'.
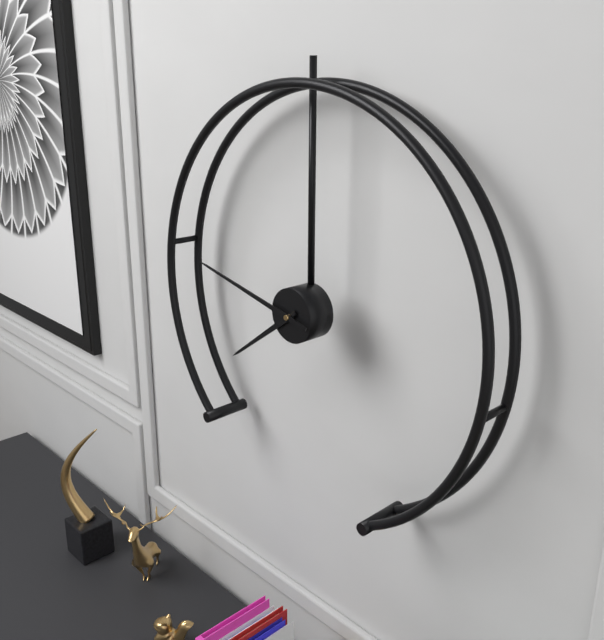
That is 7 h 47 min
